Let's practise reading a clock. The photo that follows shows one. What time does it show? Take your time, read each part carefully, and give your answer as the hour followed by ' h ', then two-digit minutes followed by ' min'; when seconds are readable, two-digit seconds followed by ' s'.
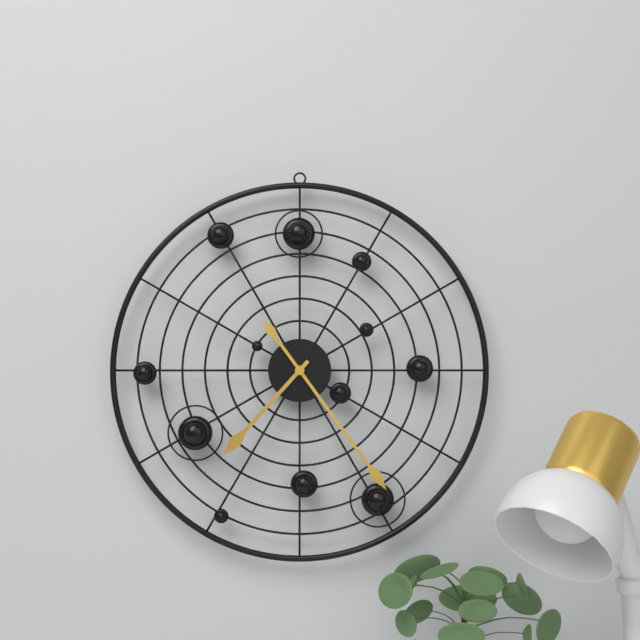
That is 7 h 24 min
